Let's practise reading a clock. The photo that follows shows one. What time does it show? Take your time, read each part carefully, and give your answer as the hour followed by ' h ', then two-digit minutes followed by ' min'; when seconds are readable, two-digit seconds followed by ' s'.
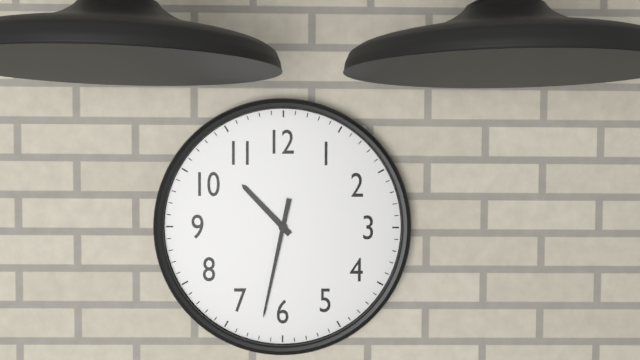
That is 10 h 32 min
